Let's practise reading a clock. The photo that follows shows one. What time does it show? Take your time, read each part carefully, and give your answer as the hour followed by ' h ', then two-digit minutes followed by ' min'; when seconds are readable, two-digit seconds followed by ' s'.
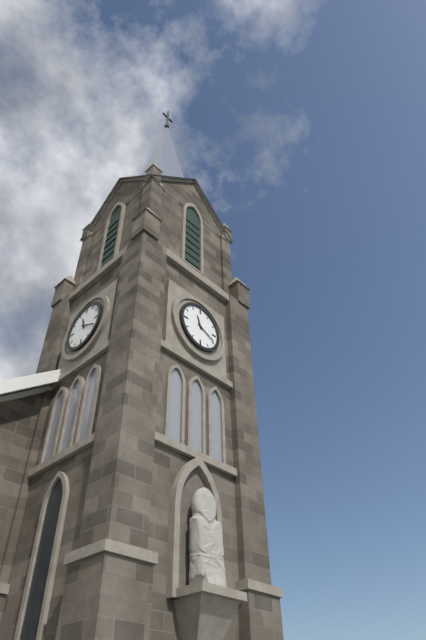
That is 11 h 19 min
